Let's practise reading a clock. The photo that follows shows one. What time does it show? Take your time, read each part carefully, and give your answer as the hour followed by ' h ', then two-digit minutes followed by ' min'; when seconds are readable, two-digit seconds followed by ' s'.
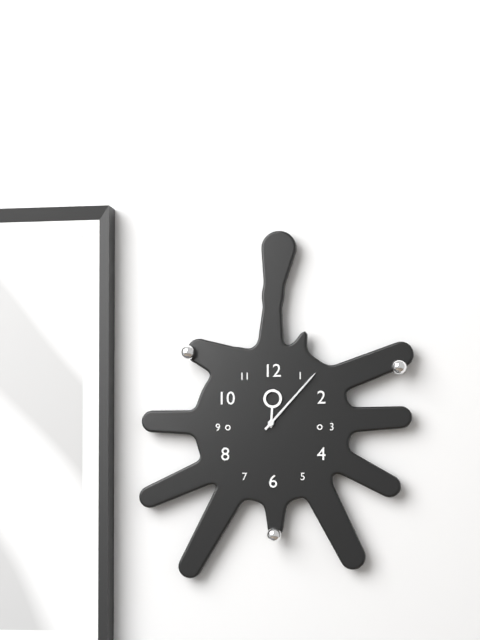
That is 12 h 07 min
